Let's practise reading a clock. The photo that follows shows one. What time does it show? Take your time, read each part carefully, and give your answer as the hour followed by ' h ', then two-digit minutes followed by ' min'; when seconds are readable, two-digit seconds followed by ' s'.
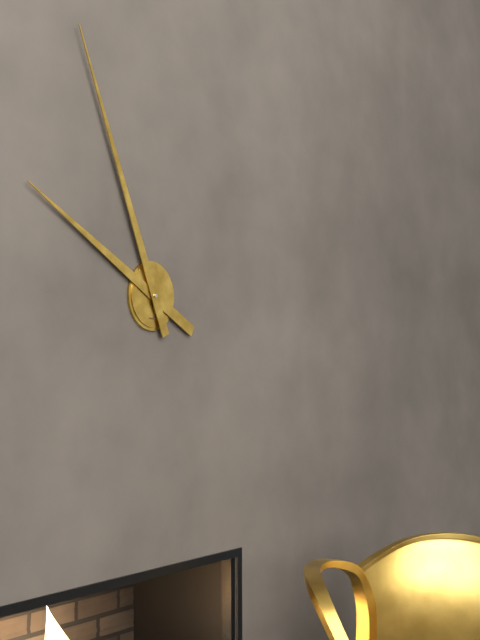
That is 9 h 56 min
